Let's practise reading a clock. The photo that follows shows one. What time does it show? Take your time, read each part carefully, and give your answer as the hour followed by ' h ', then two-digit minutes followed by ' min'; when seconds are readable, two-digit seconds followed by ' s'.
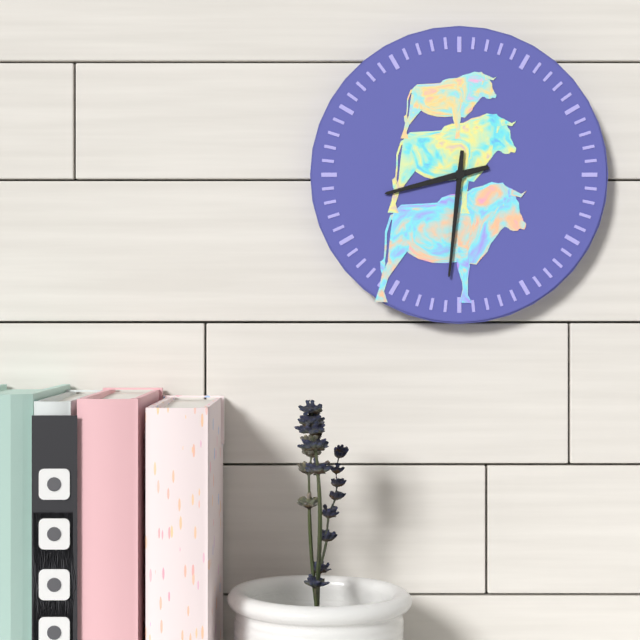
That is 8 h 31 min
